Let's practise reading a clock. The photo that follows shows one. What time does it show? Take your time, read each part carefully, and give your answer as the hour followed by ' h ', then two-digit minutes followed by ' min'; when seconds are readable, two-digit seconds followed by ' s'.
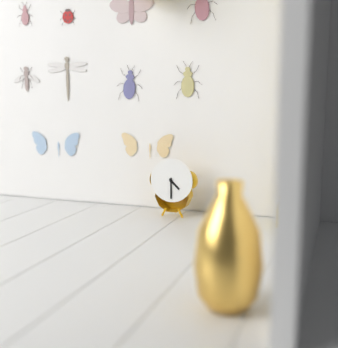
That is 4 h 30 min
